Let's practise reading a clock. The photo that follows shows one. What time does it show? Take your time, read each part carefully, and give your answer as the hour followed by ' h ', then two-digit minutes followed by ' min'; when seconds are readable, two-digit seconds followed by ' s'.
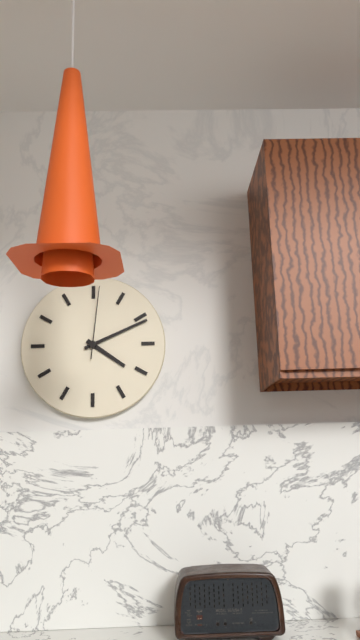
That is 4 h 11 min 01 s
